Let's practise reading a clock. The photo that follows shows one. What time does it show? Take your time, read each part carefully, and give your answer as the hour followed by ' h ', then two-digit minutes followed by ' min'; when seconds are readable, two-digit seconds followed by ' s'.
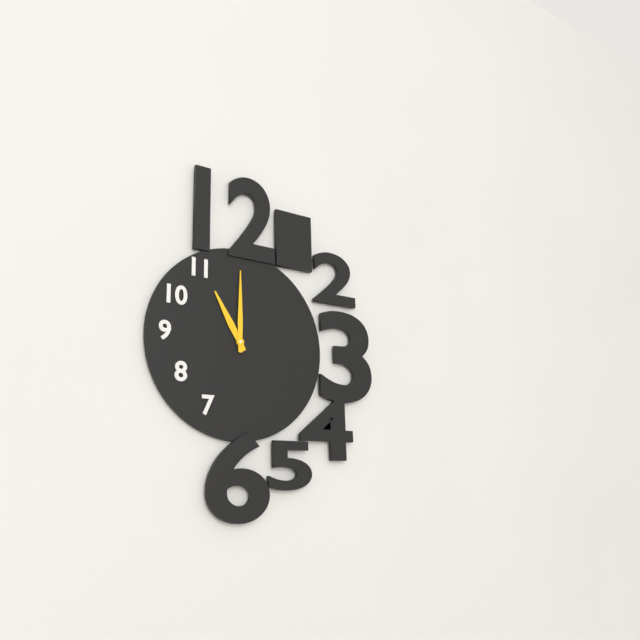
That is 11 h 00 min
